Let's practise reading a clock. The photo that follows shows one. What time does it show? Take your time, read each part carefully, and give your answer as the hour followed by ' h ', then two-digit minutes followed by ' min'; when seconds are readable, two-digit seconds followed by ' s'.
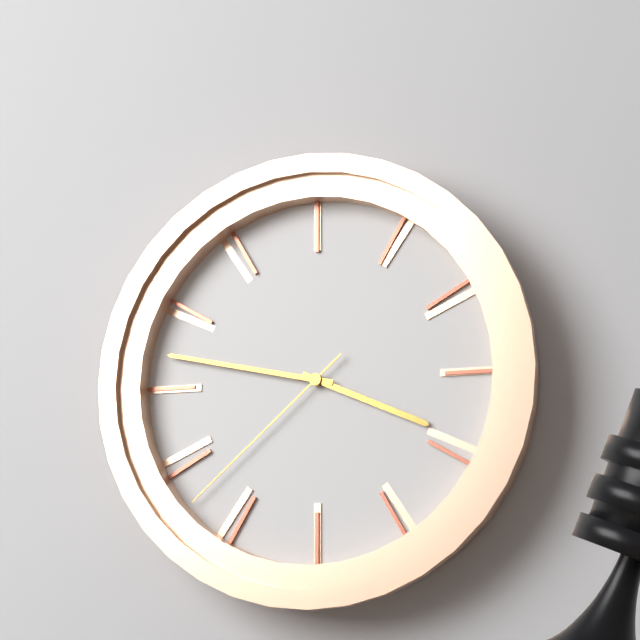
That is 3 h 47 min 38 s
